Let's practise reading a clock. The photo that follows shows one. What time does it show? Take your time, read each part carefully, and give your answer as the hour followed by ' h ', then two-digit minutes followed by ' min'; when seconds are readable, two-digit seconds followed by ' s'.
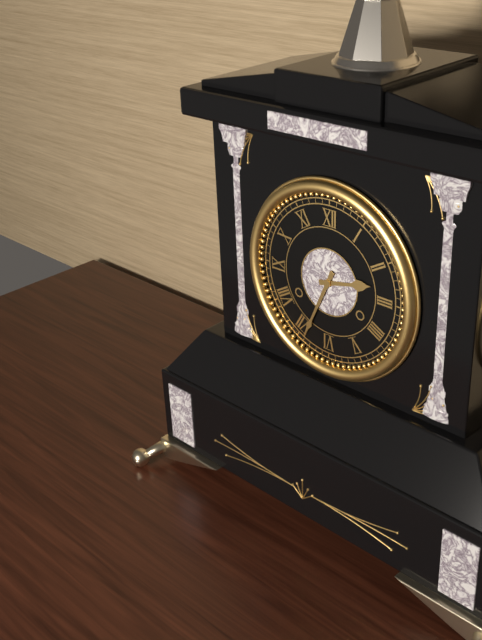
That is 2 h 34 min
